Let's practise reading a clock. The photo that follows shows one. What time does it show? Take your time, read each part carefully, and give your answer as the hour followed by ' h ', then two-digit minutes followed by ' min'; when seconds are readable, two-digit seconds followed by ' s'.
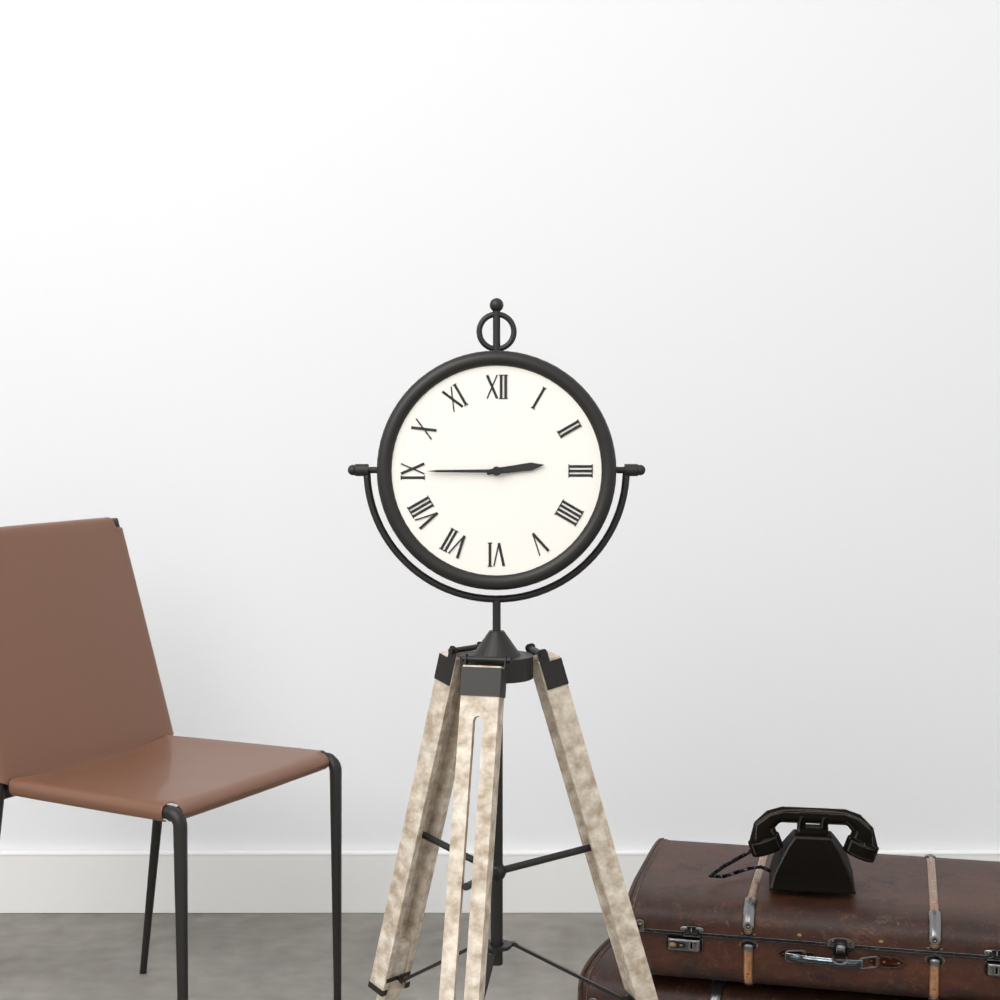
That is 2 h 45 min
